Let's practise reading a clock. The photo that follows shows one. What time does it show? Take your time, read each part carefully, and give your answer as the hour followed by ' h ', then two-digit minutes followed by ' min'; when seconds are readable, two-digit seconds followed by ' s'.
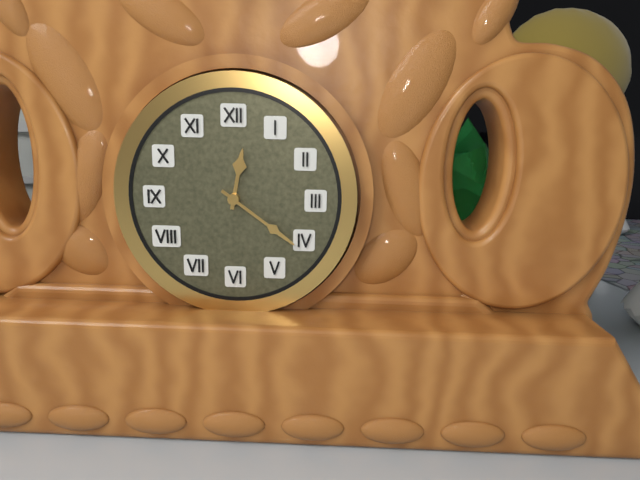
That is 12 h 21 min
